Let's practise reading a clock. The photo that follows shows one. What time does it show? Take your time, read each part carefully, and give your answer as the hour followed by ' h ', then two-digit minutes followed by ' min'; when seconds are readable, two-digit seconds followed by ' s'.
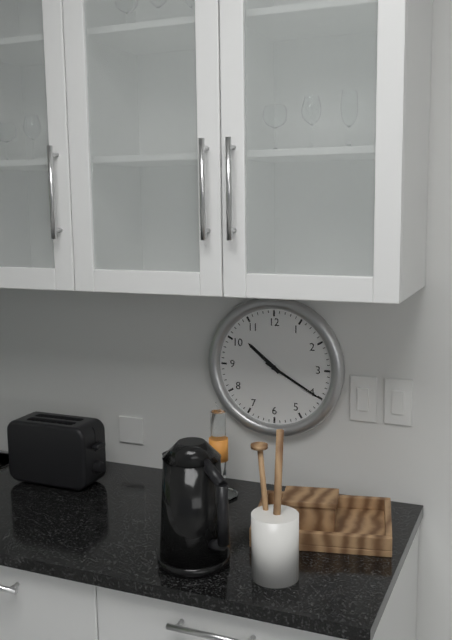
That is 10 h 20 min
